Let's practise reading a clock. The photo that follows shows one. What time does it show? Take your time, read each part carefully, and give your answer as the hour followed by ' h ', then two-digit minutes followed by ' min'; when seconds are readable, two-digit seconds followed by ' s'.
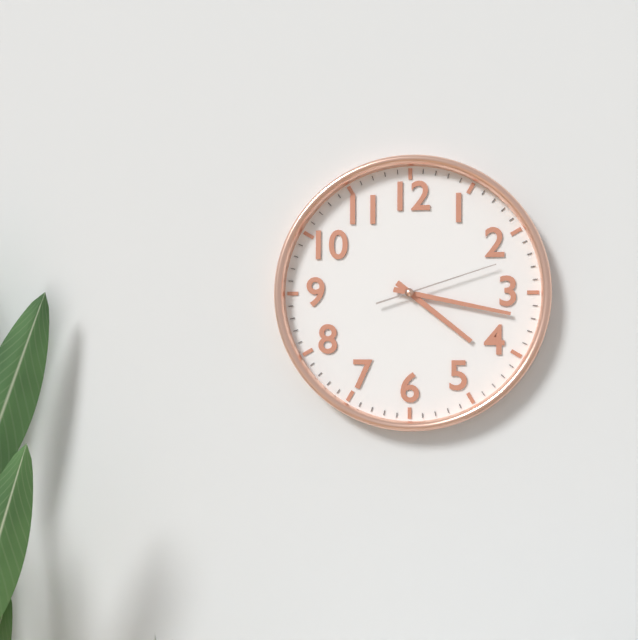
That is 4 h 17 min 12 s
